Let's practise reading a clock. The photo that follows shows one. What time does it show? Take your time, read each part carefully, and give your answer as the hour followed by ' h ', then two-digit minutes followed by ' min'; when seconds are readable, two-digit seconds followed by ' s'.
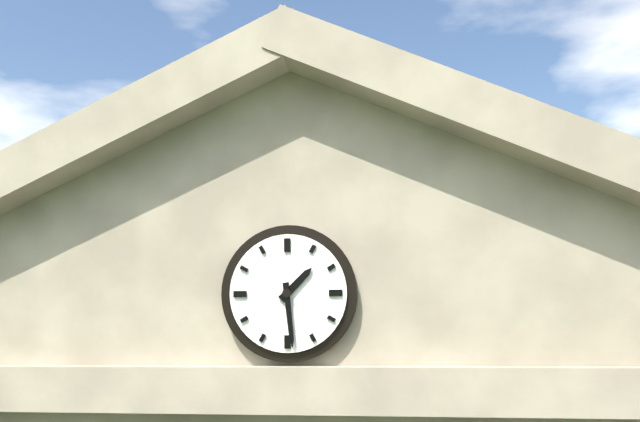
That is 1 h 29 min
